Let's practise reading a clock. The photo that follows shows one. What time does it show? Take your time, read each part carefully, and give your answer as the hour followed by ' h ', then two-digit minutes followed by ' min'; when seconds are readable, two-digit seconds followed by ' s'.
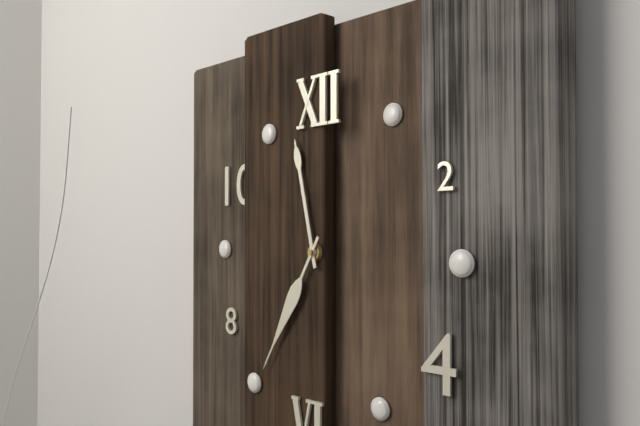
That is 11 h 35 min
